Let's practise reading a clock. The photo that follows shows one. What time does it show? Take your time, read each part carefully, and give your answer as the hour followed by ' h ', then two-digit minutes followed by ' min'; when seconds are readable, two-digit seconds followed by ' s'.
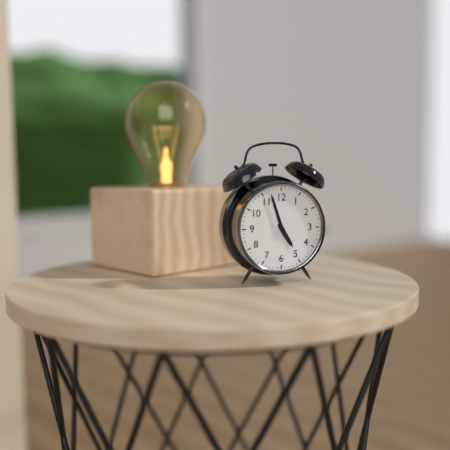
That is 4 h 57 min
